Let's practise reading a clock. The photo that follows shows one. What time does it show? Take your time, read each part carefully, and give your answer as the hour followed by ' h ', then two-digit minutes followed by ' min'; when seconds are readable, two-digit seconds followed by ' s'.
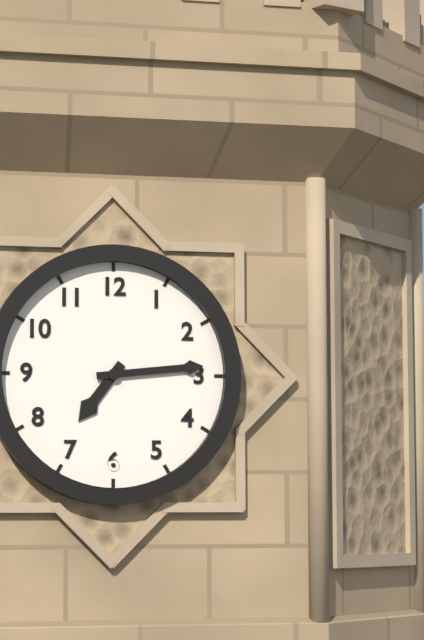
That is 7 h 14 min
